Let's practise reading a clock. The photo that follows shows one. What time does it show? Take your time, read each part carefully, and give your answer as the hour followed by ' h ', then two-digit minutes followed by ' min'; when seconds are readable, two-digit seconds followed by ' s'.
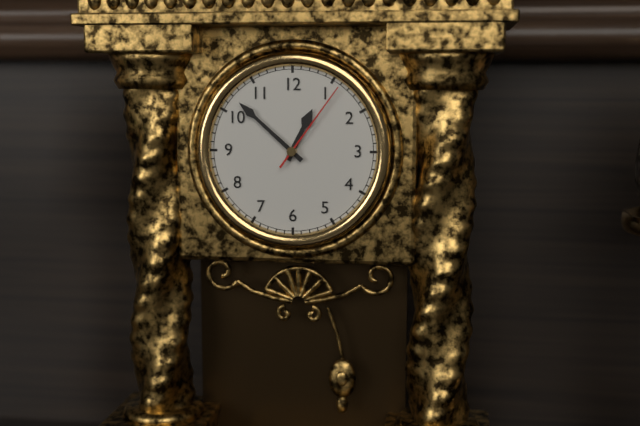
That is 12 h 52 min 06 s
